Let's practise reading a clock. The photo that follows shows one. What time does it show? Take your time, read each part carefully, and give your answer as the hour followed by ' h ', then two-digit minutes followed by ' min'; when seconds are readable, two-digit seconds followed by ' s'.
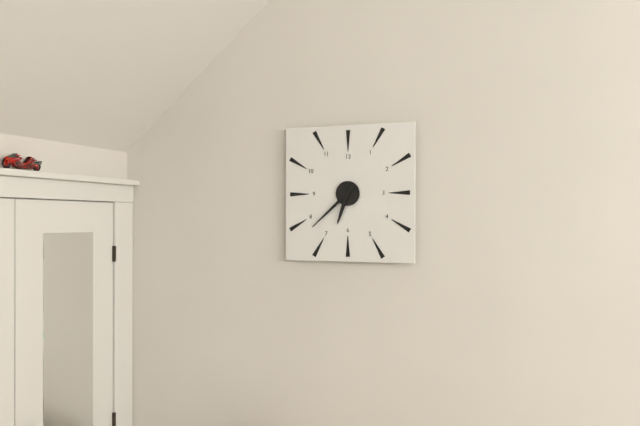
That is 6 h 38 min
